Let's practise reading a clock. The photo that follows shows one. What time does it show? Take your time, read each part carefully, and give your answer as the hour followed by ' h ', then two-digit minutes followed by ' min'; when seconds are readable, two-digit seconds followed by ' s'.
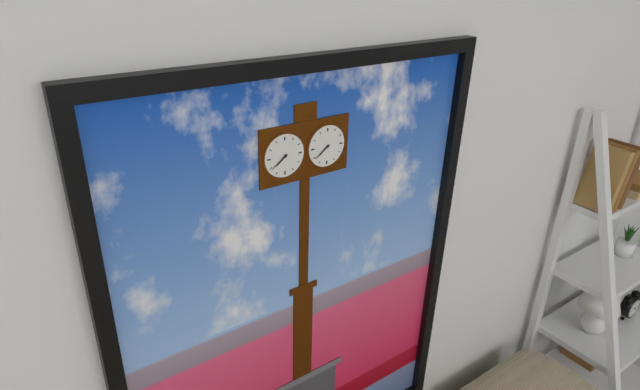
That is 7 h 39 min
